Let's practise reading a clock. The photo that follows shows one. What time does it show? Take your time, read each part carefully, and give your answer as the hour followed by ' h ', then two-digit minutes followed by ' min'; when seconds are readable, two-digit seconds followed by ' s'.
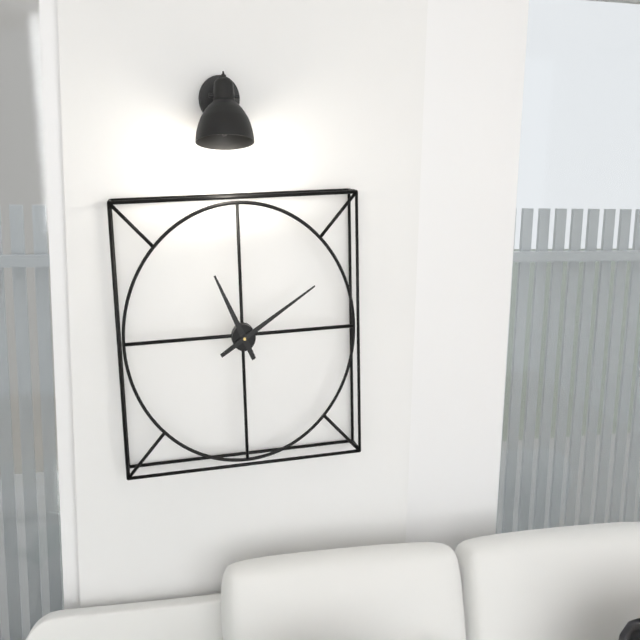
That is 11 h 10 min
